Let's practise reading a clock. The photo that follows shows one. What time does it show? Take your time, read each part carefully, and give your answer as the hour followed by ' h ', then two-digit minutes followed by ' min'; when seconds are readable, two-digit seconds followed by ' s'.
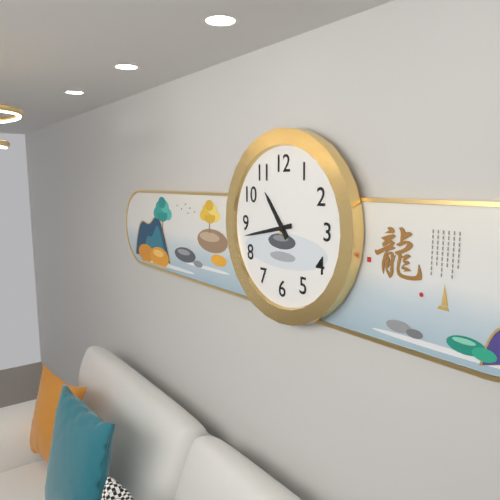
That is 10 h 43 min
